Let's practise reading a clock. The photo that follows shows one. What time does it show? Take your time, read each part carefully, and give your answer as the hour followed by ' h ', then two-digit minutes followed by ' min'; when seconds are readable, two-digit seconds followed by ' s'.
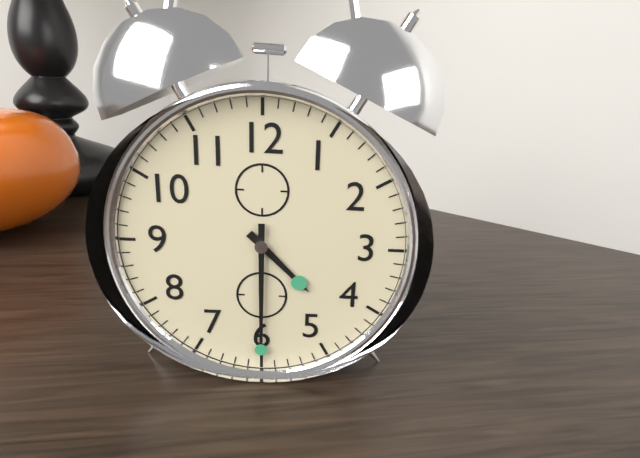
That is 4 h 30 min
